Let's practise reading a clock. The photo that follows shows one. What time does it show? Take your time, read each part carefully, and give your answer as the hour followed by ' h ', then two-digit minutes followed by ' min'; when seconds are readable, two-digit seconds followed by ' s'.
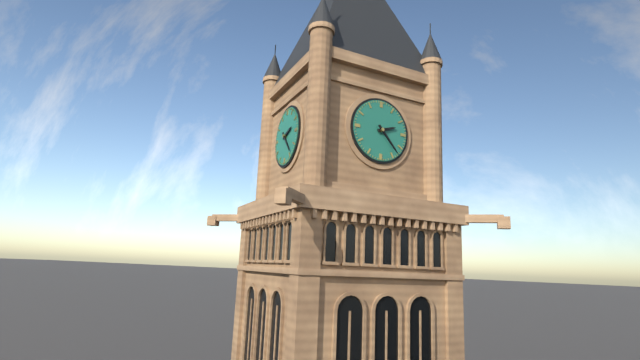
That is 2 h 23 min
